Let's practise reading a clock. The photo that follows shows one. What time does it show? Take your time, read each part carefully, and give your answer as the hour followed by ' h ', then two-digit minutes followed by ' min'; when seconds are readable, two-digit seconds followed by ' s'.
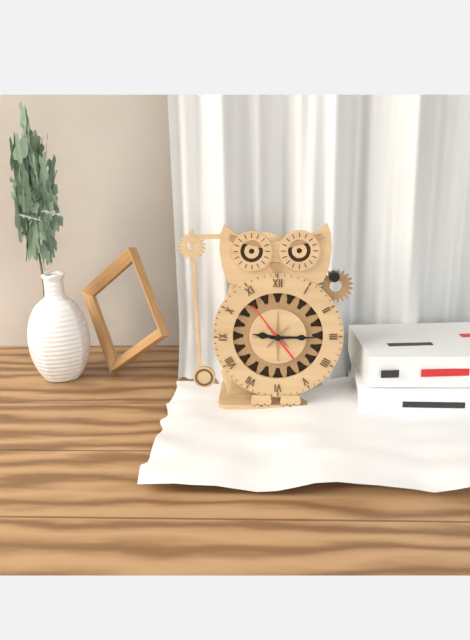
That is 9 h 15 min
